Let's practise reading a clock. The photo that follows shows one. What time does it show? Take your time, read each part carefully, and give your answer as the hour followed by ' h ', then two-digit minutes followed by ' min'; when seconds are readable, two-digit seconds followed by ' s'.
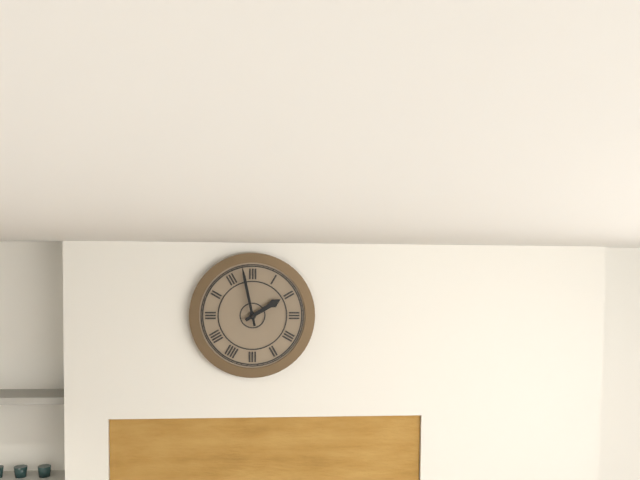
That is 1 h 58 min
